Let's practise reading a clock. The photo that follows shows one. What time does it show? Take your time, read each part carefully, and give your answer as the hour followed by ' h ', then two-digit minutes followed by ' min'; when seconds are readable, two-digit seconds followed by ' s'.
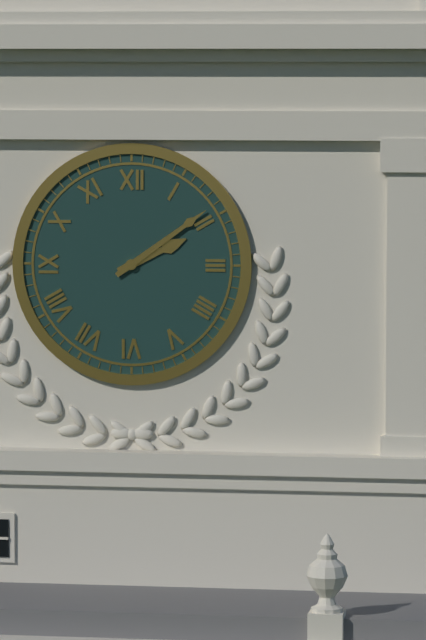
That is 2 h 09 min
